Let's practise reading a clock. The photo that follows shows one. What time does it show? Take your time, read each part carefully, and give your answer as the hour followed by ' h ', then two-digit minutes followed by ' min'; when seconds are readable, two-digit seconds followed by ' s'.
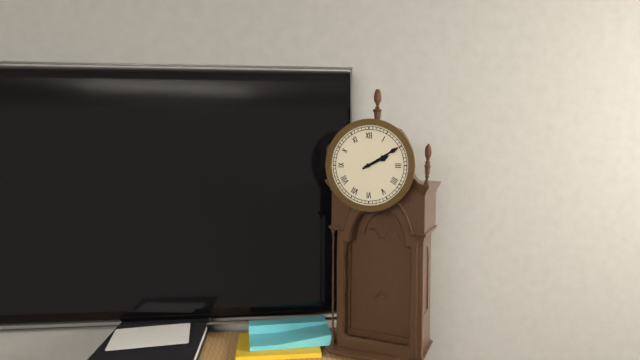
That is 2 h 10 min
